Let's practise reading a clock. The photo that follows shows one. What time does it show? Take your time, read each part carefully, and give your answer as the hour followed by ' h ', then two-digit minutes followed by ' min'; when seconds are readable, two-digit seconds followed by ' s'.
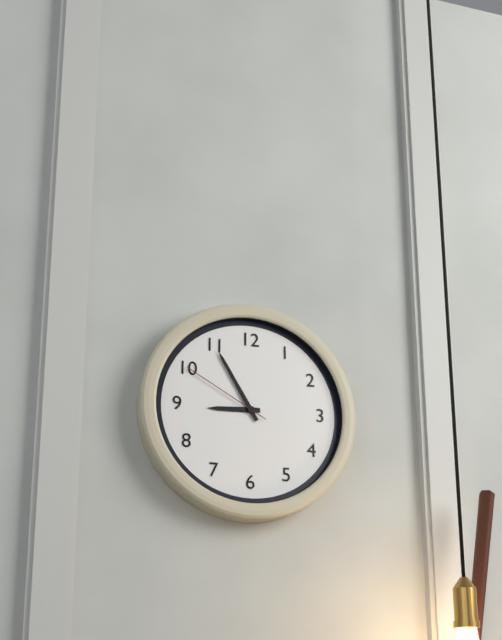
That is 8 h 55 min 50 s
